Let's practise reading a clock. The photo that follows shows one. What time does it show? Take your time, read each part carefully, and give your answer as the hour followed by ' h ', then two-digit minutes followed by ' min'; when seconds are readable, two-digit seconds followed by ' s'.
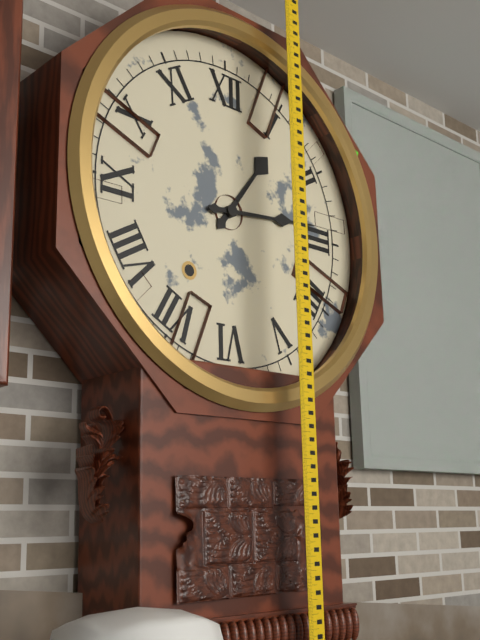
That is 1 h 14 min
